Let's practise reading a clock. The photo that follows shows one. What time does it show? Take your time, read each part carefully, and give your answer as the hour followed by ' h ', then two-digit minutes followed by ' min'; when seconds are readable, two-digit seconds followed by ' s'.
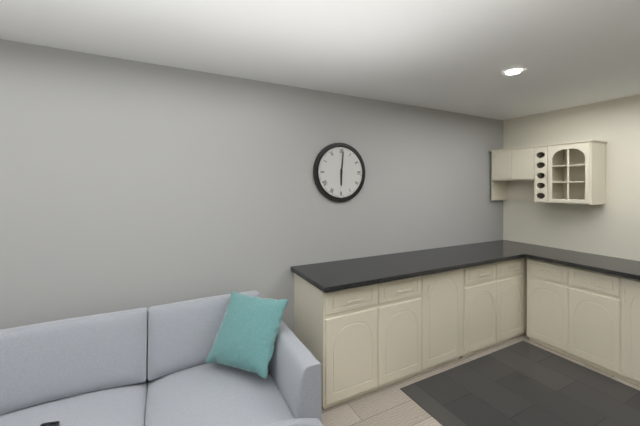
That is 6 h 01 min
